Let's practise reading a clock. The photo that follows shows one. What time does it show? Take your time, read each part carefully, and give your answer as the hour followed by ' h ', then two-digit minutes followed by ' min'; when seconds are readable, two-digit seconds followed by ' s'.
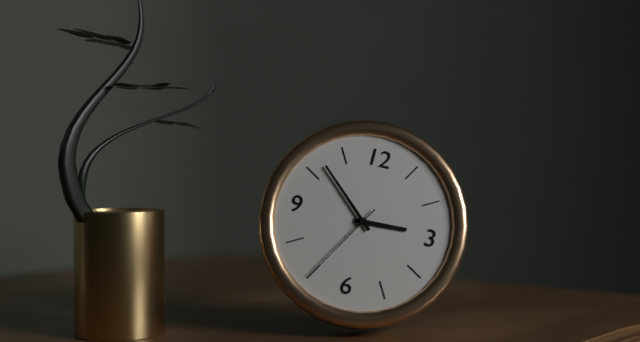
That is 2 h 52 min 35 s
